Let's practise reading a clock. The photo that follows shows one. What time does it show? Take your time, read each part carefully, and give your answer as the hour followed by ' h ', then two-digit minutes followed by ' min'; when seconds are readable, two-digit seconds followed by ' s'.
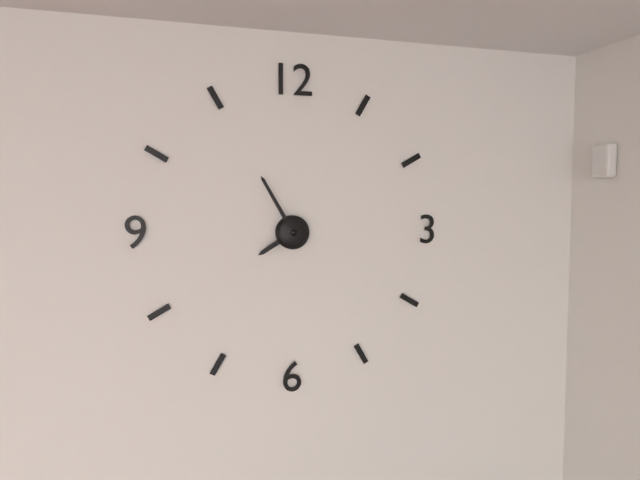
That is 7 h 55 min
